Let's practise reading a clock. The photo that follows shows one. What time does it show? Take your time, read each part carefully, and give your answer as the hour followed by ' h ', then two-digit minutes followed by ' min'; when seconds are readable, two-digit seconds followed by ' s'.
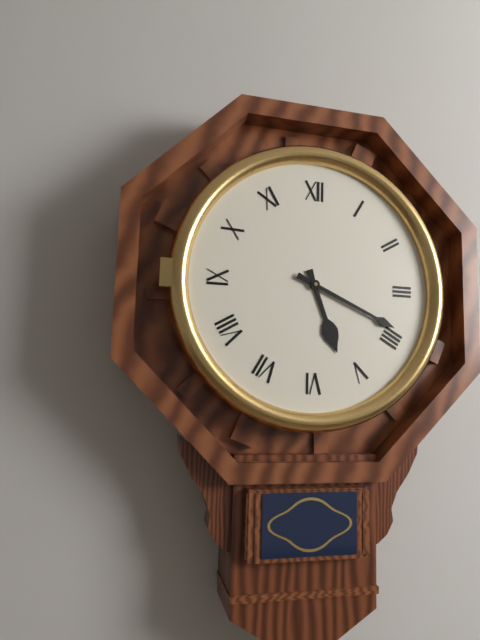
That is 5 h 19 min
